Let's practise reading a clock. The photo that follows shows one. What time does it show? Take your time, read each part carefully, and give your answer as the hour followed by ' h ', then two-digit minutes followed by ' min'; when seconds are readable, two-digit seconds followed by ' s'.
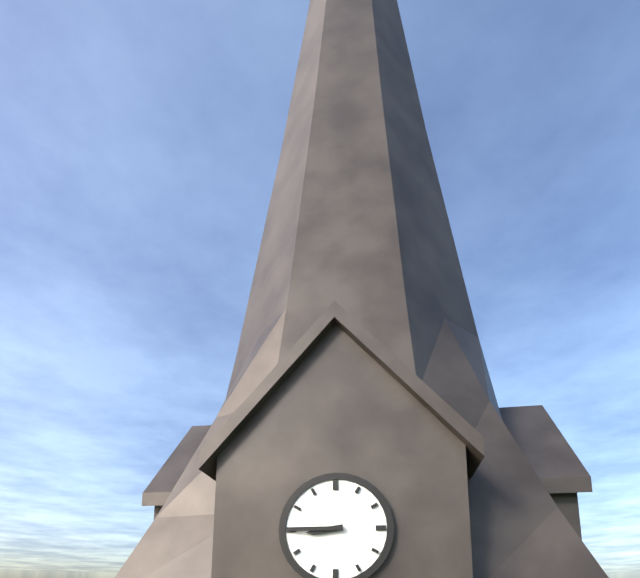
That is 8 h 45 min
